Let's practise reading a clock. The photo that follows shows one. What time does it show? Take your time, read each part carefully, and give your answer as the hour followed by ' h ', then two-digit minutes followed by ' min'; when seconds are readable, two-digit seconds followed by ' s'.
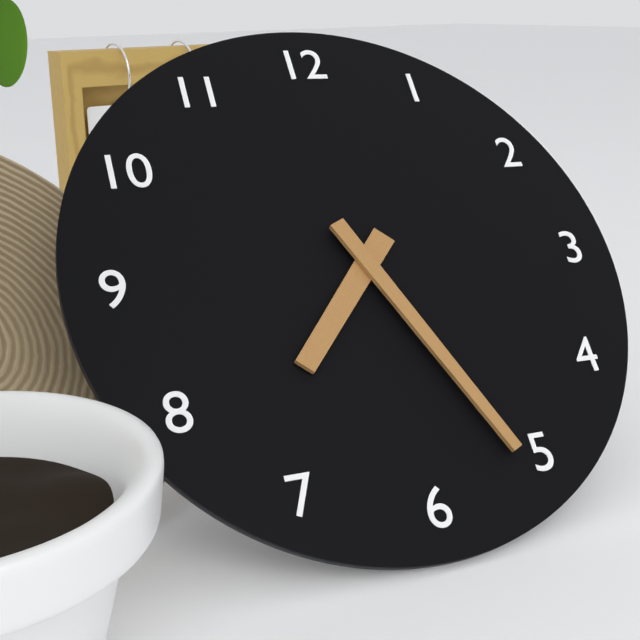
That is 7 h 26 min
